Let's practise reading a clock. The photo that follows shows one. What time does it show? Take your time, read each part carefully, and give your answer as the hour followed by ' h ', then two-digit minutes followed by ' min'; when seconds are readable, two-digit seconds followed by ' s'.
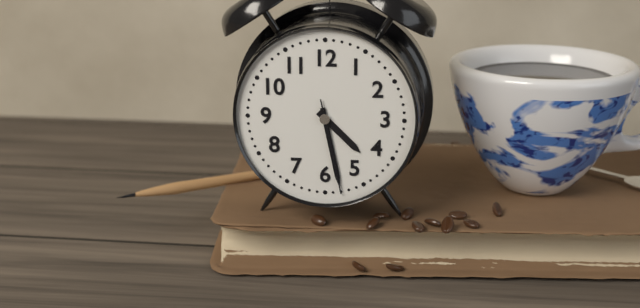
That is 4 h 28 min 28 s
